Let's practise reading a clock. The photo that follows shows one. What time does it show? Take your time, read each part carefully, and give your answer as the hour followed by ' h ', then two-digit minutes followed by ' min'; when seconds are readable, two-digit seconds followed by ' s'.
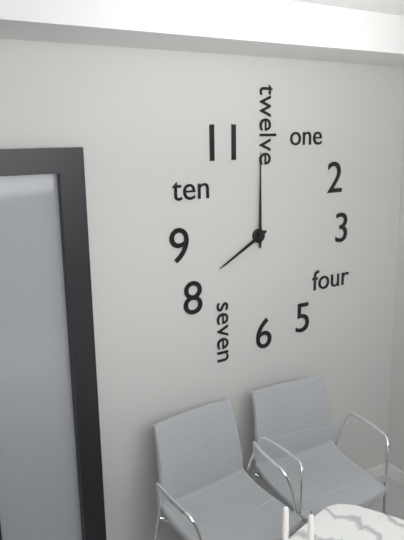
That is 8 h 00 min
